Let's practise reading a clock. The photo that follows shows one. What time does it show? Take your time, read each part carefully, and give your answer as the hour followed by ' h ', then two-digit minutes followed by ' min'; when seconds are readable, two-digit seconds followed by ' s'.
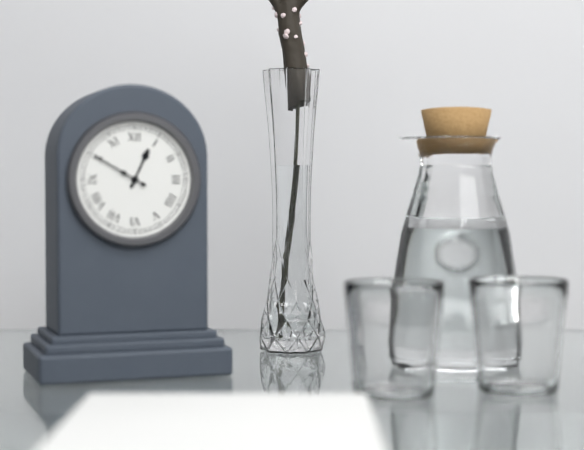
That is 12 h 50 min
